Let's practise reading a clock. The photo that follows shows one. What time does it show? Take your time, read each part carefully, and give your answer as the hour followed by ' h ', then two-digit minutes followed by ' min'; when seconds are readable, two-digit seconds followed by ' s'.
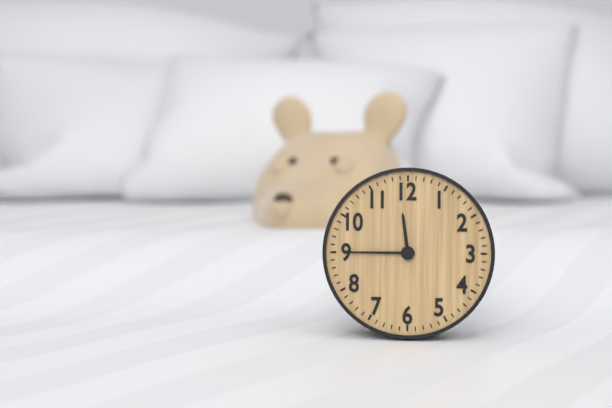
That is 11 h 45 min
